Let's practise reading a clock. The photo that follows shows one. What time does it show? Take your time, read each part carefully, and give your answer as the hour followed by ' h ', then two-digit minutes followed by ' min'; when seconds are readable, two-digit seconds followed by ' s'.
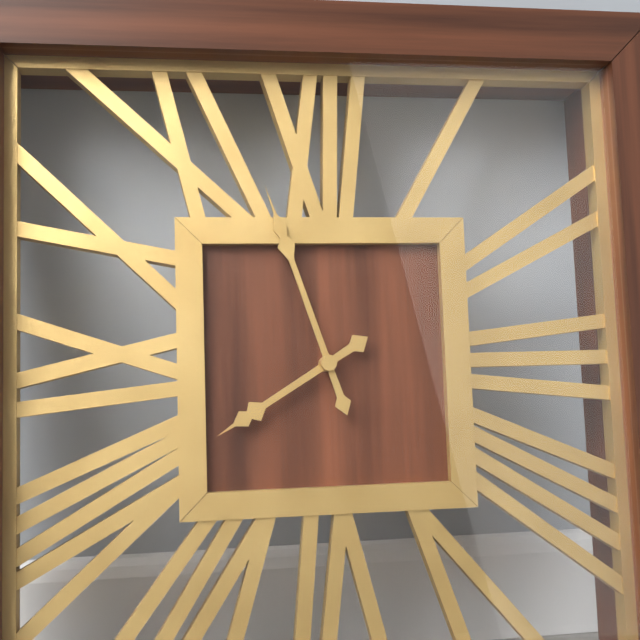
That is 7 h 57 min
